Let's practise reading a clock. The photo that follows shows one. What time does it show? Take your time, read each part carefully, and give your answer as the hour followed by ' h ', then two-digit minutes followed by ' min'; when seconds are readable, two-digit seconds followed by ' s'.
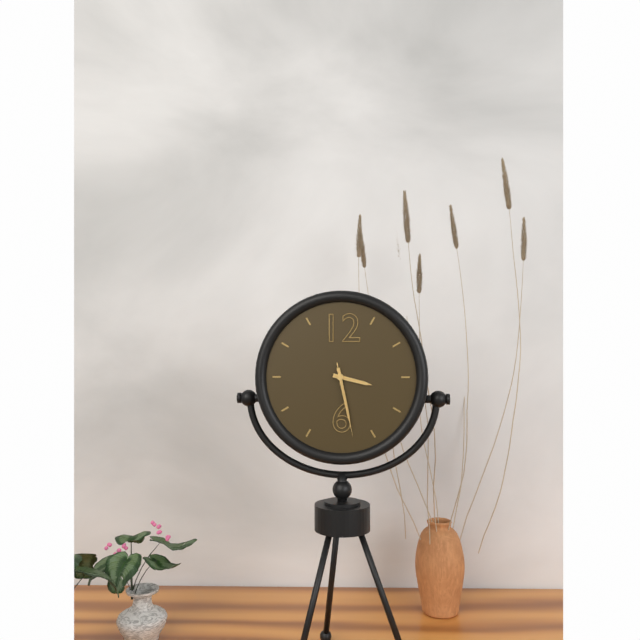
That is 3 h 28 min 28 s
